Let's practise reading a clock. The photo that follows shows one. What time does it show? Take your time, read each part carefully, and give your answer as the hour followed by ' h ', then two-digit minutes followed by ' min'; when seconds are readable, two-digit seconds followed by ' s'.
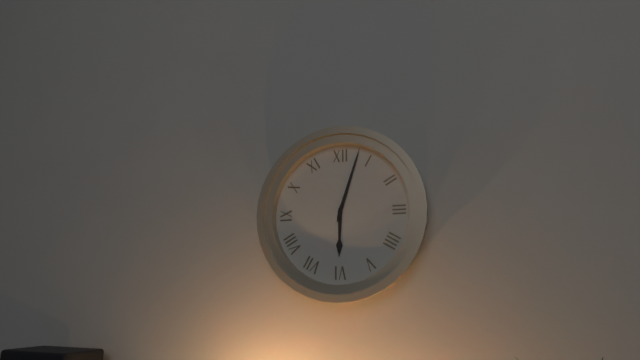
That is 6 h 03 min
